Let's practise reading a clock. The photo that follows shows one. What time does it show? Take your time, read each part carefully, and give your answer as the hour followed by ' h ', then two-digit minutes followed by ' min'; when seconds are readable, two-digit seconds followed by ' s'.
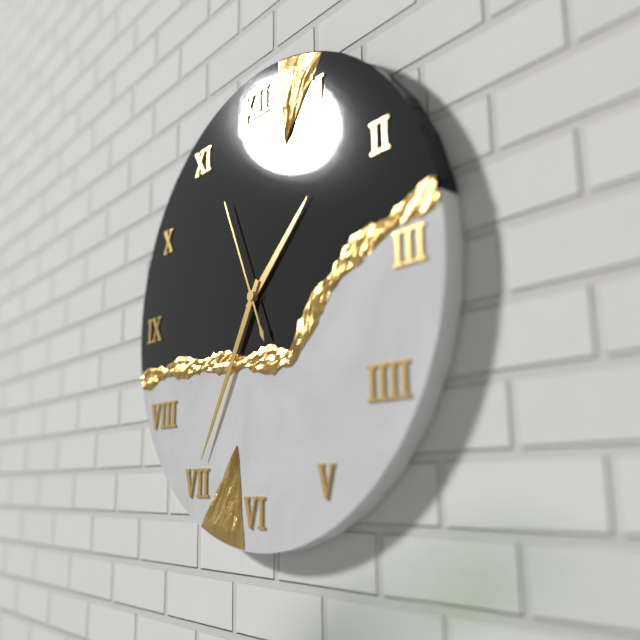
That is 1 h 35 min 56 s
